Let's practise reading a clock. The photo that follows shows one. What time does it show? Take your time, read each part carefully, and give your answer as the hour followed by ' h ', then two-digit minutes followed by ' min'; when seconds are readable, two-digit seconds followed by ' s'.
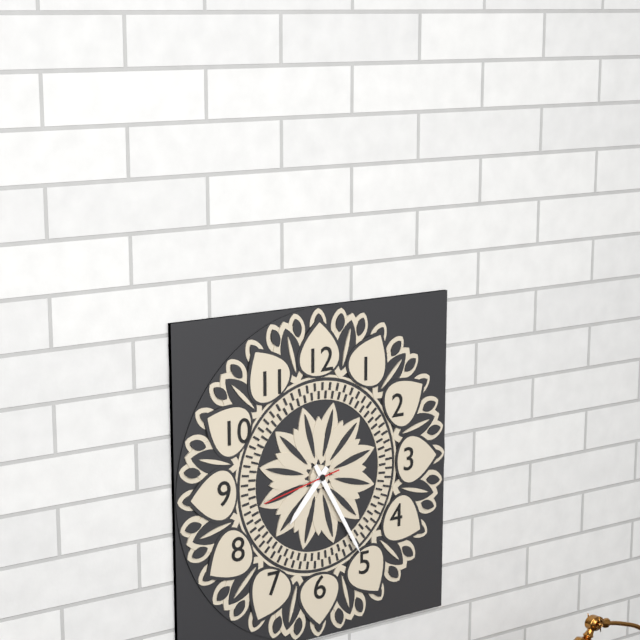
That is 7 h 25 min 43 s
